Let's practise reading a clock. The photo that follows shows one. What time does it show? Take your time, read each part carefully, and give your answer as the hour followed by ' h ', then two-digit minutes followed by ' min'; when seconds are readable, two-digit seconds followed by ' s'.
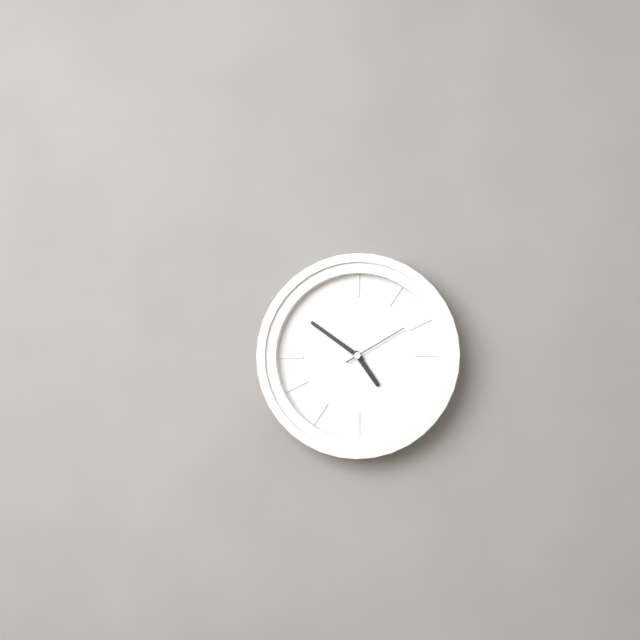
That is 4 h 51 min 10 s
